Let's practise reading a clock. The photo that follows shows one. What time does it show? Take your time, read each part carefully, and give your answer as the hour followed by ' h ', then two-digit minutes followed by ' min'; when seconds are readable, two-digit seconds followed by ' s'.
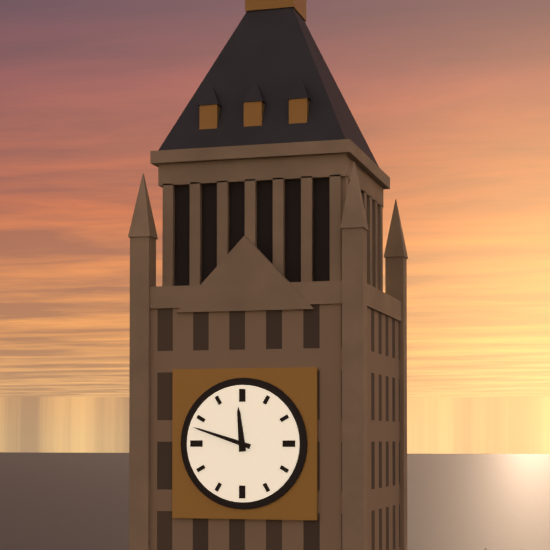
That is 11 h 48 min
